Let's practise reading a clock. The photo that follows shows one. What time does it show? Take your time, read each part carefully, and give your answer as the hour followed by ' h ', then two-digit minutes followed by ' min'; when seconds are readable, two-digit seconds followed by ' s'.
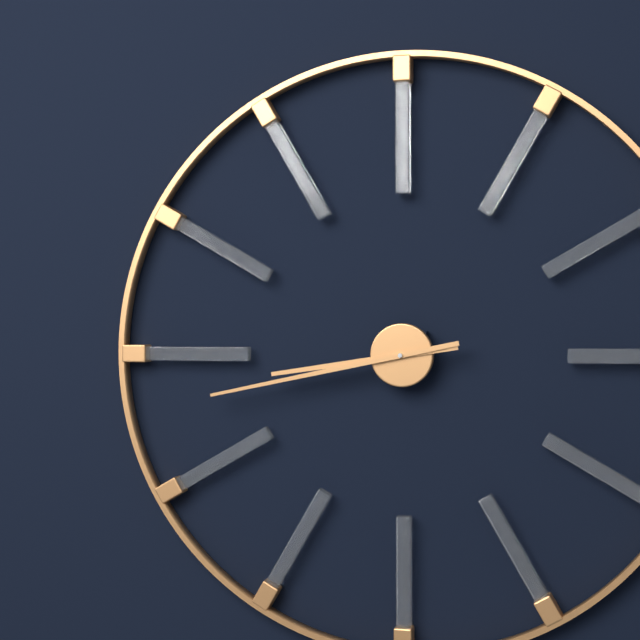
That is 8 h 43 min
